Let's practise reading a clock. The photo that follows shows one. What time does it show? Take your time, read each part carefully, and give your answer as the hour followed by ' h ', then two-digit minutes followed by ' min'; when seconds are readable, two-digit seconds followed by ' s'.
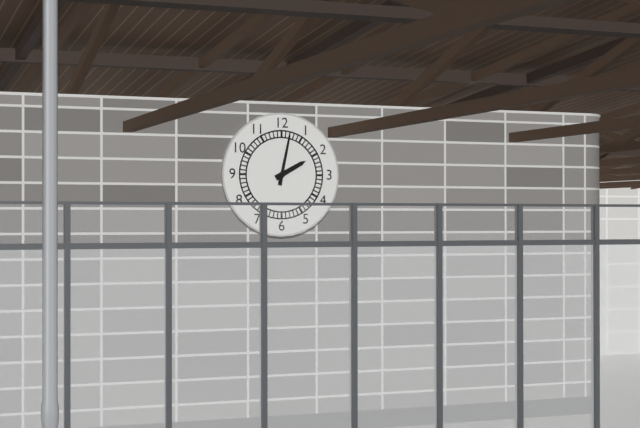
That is 2 h 02 min
